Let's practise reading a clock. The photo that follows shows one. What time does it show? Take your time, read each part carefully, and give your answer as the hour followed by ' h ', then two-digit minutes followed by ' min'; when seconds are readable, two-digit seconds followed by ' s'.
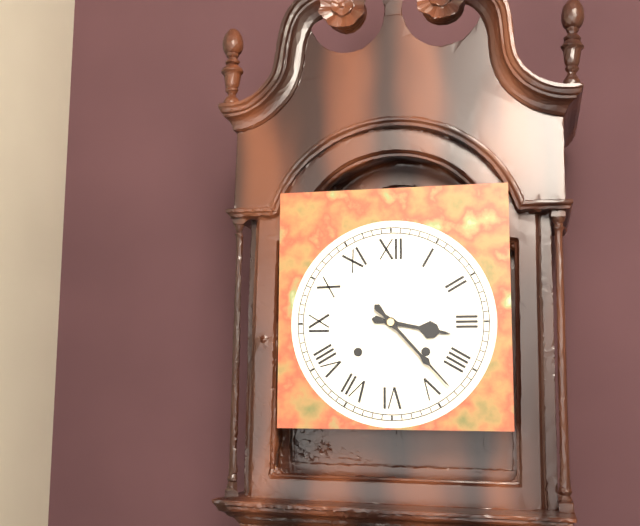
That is 3 h 23 min
